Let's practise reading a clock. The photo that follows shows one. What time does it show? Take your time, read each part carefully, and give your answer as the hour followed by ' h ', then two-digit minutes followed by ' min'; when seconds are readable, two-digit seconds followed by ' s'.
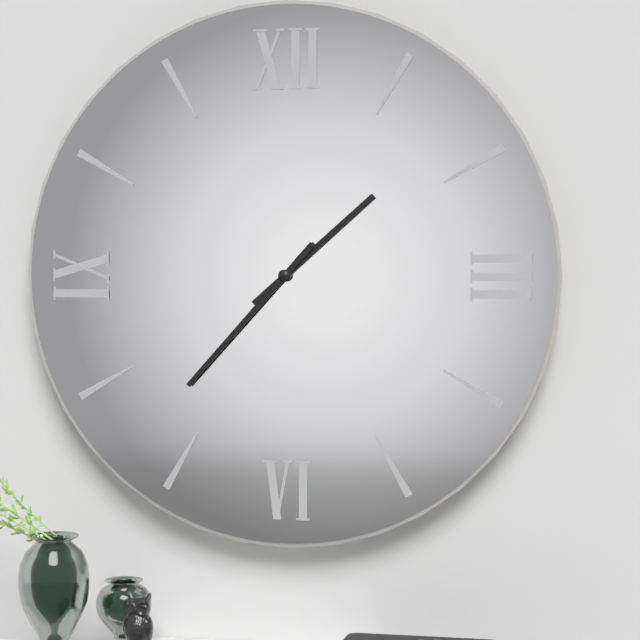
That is 1 h 37 min
